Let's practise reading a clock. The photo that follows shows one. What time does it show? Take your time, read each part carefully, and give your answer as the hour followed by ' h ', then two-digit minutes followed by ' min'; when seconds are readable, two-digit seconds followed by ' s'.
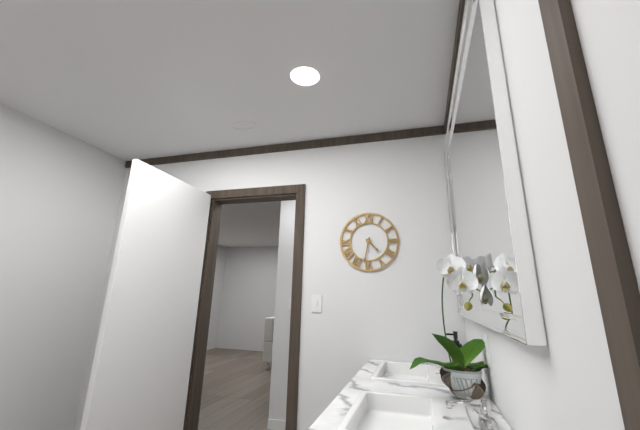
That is 4 h 32 min
